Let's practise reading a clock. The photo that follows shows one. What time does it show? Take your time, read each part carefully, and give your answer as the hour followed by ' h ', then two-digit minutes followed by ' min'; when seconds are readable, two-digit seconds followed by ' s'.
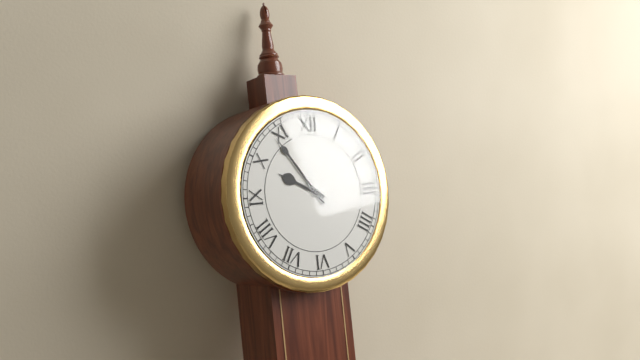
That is 9 h 54 min
